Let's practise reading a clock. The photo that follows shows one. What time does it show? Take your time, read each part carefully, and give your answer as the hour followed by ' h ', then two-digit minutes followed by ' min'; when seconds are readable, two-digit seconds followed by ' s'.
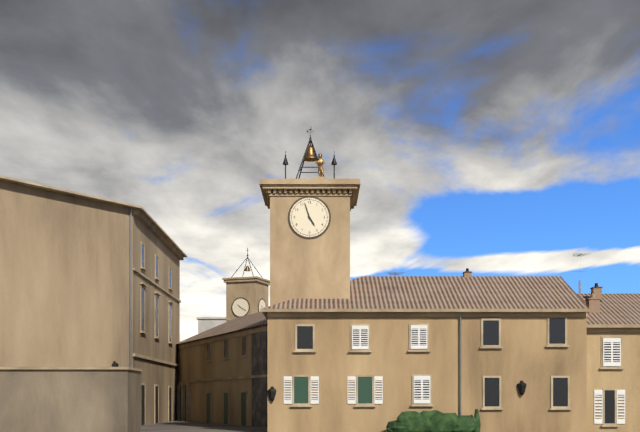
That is 4 h 57 min
